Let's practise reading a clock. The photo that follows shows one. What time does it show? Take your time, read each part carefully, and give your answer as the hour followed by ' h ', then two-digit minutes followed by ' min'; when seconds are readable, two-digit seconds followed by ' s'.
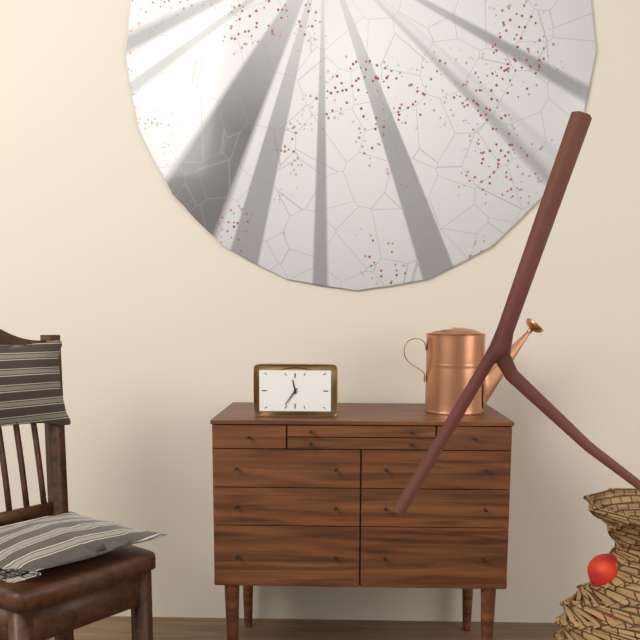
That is 11 h 36 min
